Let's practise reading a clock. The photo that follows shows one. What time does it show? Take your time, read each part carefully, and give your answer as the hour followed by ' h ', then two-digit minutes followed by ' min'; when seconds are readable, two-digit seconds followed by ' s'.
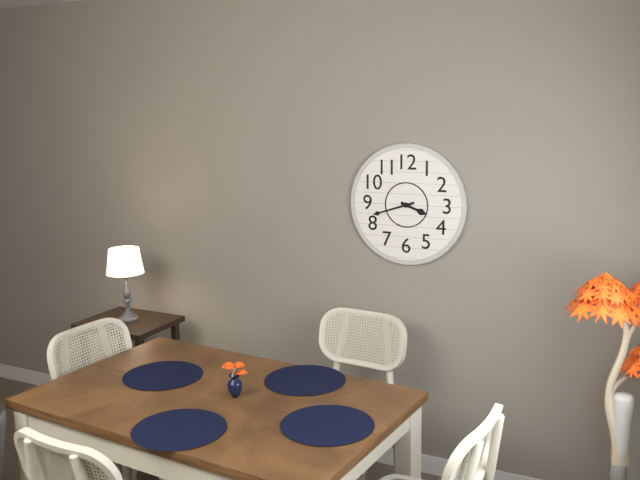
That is 3 h 42 min
